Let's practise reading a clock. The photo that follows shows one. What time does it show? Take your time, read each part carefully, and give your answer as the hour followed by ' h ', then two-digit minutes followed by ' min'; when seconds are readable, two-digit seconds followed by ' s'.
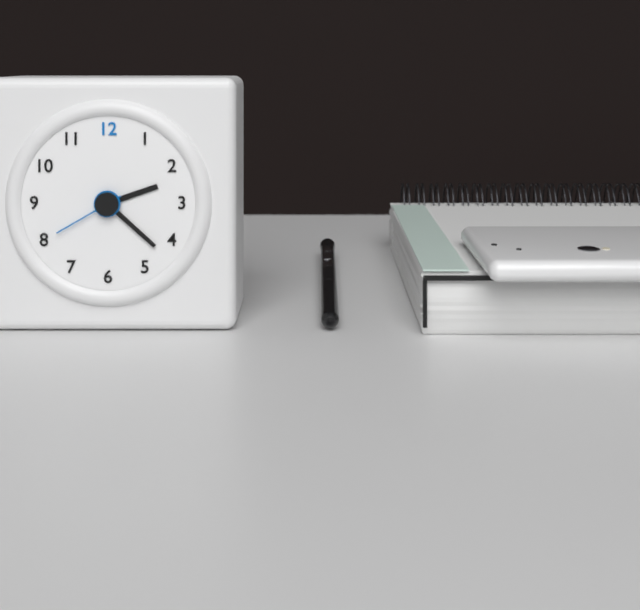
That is 2 h 22 min 40 s
